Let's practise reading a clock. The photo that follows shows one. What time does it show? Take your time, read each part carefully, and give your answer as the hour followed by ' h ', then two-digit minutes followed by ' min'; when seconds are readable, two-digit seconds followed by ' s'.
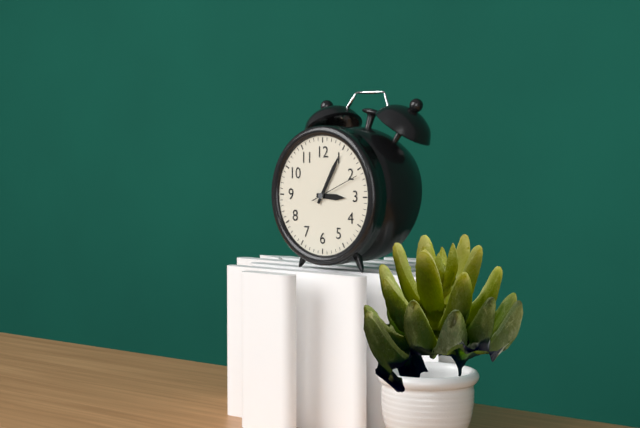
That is 3 h 05 min 11 s
